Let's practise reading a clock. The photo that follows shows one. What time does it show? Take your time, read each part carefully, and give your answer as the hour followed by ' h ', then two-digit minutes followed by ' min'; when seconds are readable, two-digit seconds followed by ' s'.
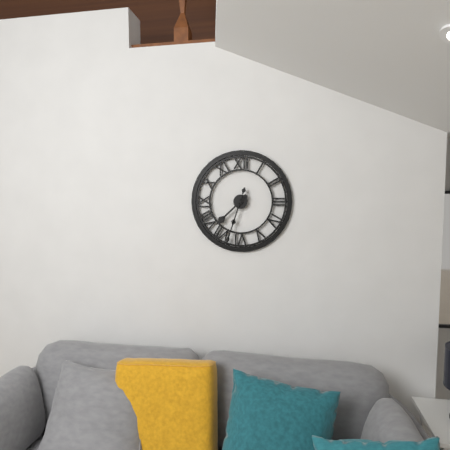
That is 7 h 33 min
